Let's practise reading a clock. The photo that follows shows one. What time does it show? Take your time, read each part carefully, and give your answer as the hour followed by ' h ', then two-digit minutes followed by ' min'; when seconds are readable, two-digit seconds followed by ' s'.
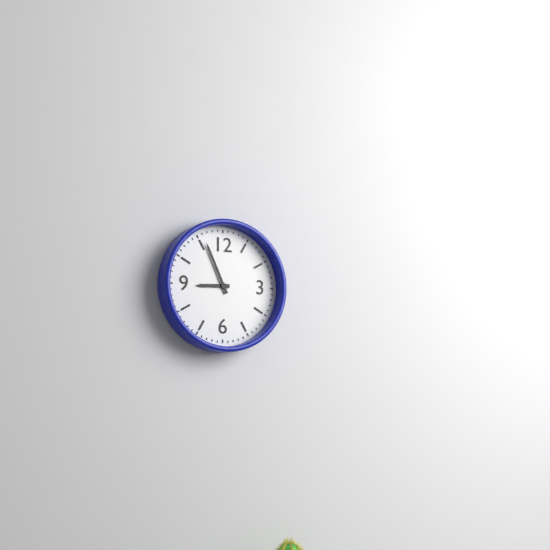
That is 8 h 56 min
